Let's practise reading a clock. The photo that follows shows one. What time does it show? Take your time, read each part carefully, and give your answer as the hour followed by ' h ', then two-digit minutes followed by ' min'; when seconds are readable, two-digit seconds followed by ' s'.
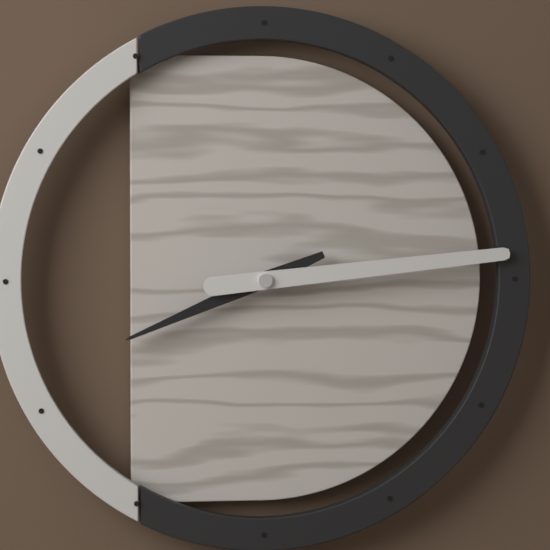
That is 8 h 14 min
